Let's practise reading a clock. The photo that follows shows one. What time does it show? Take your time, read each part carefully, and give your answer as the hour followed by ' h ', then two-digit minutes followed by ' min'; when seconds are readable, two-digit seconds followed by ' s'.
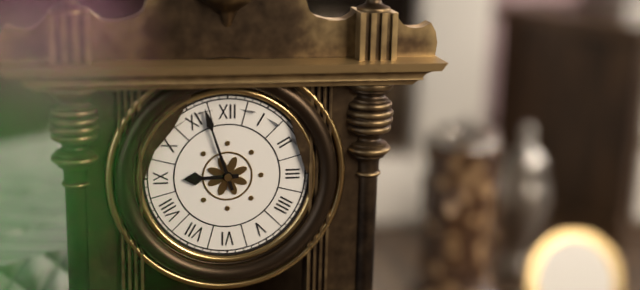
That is 8 h 57 min
